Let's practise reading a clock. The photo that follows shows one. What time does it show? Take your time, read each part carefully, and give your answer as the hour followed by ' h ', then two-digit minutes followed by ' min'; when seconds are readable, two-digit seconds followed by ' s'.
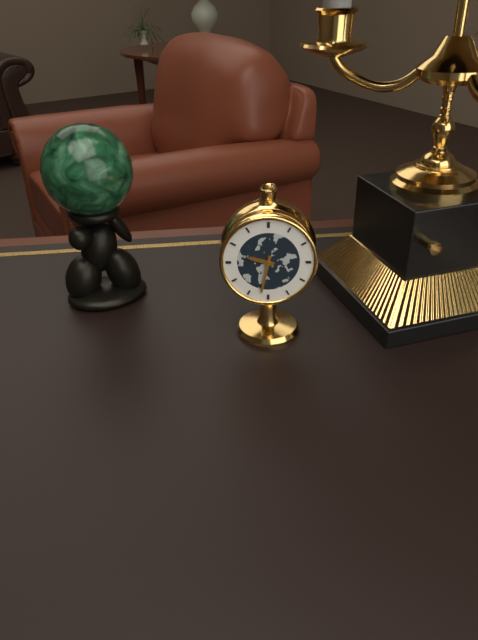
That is 9 h 32 min
